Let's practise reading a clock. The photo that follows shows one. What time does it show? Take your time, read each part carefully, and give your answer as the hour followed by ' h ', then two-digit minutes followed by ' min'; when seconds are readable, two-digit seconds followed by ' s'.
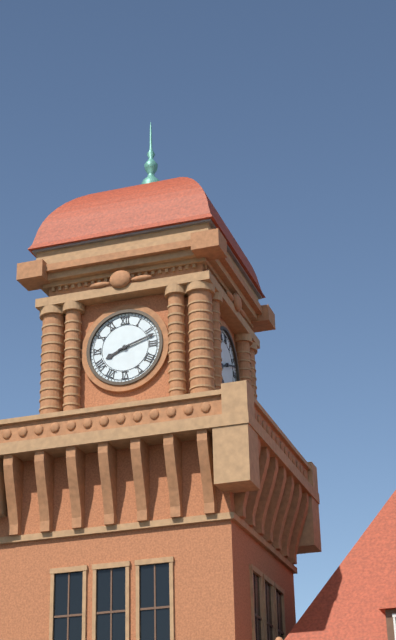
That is 8 h 12 min
